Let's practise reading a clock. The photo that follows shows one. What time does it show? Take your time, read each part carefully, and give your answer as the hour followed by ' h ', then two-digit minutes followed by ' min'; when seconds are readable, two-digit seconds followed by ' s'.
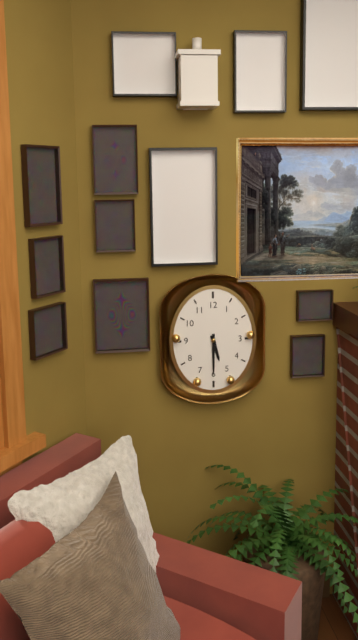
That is 5 h 30 min
